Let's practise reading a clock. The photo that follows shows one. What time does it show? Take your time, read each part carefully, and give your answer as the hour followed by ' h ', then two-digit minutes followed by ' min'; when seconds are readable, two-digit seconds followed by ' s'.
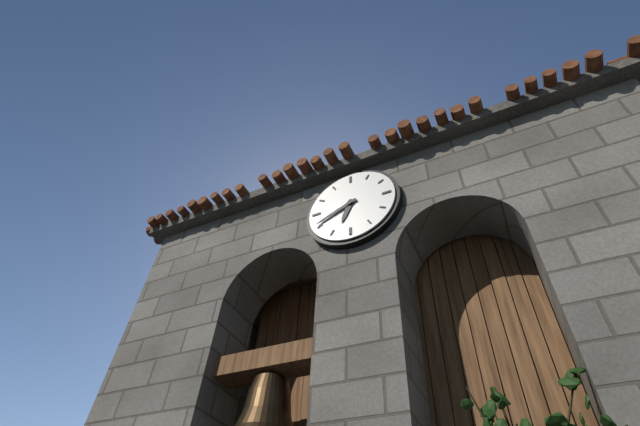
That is 6 h 41 min
